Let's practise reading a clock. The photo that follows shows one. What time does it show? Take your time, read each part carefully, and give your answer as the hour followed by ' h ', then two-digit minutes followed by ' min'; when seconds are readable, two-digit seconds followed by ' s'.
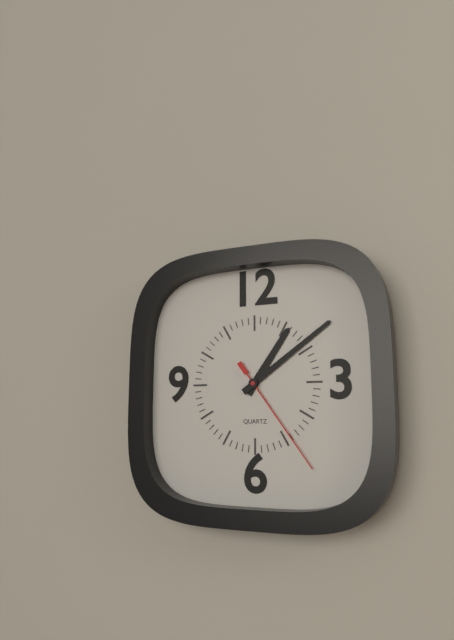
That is 1 h 09 min 24 s
